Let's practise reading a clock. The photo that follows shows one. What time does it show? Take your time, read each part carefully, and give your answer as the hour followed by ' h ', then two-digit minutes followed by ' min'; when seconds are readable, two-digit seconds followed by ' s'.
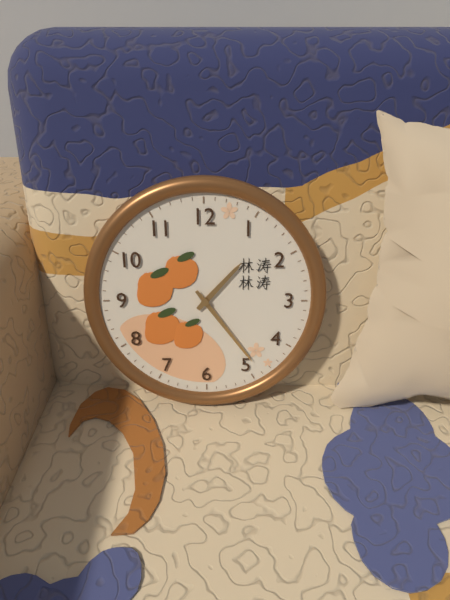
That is 1 h 24 min
